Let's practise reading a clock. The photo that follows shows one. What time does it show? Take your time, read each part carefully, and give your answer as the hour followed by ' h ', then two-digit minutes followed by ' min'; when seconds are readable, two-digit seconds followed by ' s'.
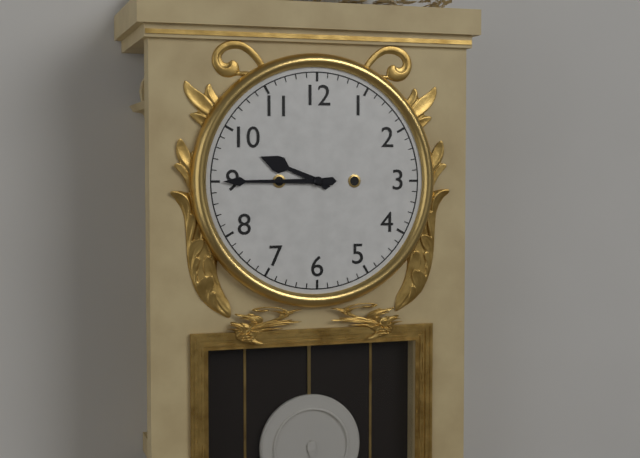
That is 9 h 45 min
